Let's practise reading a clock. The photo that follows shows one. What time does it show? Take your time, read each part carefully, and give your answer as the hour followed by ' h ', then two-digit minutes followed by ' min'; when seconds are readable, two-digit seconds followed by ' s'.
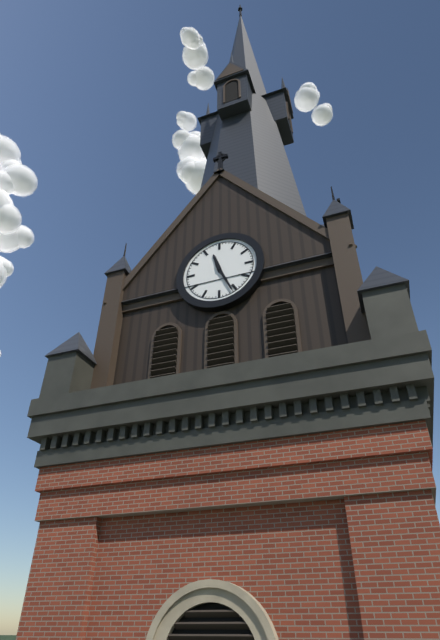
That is 11 h 26 min
